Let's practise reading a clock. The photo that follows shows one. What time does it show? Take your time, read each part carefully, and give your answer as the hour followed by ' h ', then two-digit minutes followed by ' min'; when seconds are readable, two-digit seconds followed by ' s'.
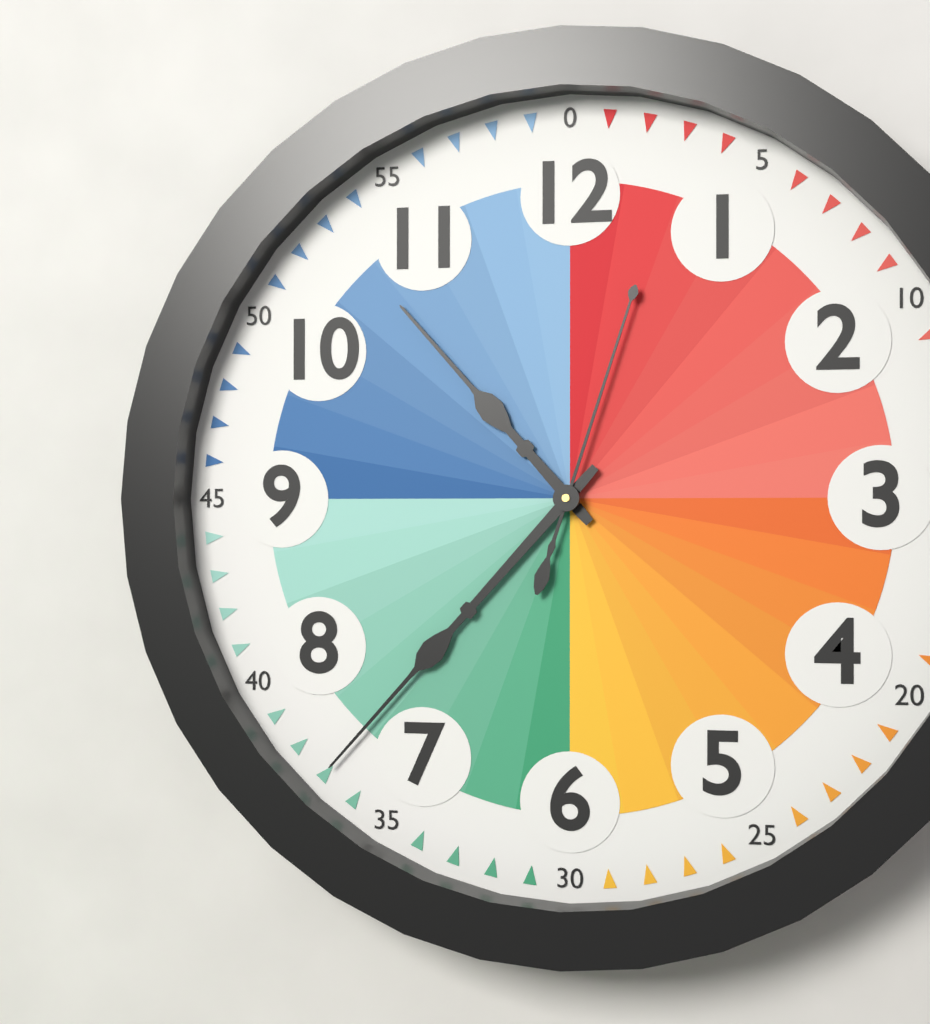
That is 10 h 37 min 03 s
